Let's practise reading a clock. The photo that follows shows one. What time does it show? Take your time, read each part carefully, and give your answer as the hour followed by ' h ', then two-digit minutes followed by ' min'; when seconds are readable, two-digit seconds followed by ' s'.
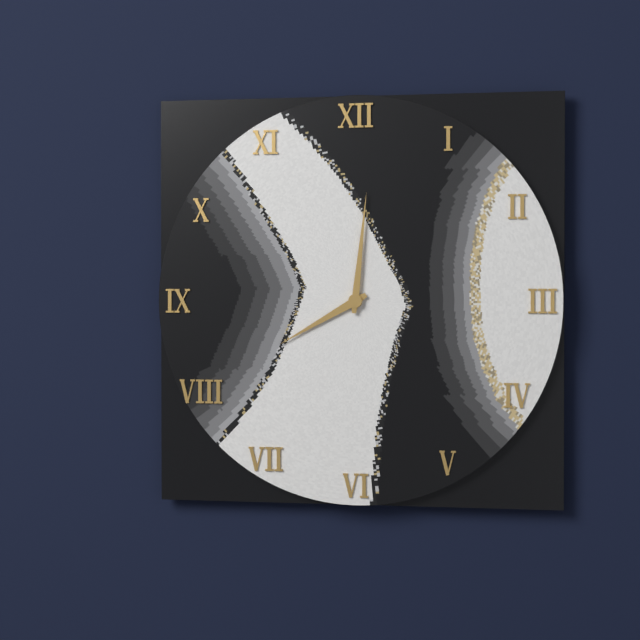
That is 8 h 01 min
